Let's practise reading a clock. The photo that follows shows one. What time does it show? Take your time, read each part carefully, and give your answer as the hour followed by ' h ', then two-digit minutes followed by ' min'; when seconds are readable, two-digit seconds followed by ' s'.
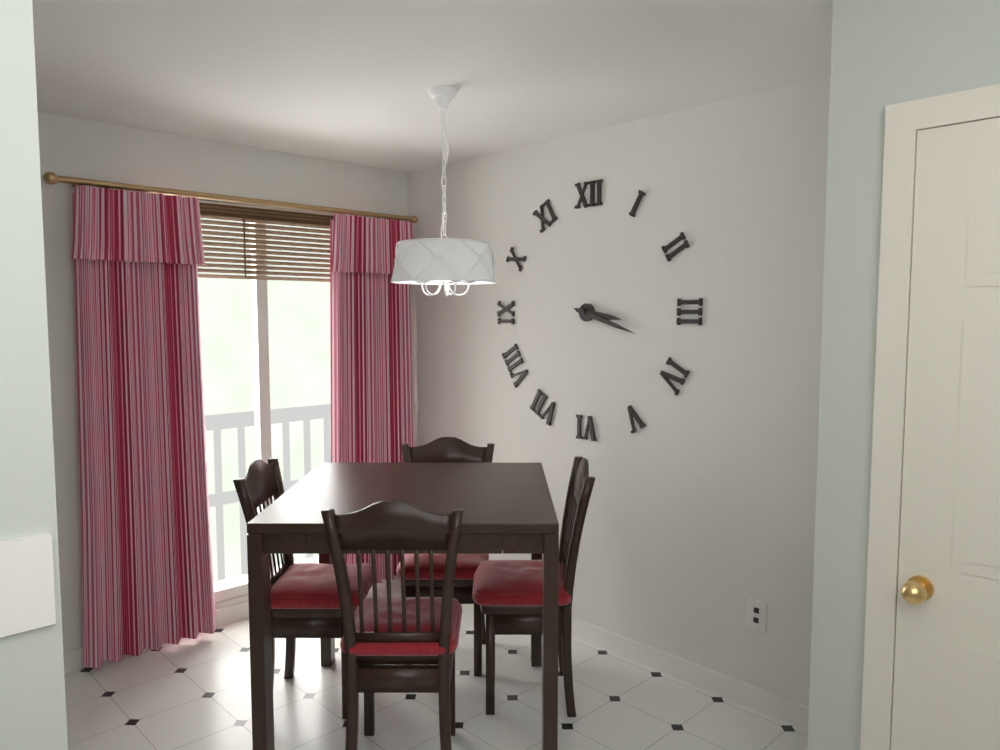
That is 3 h 18 min
